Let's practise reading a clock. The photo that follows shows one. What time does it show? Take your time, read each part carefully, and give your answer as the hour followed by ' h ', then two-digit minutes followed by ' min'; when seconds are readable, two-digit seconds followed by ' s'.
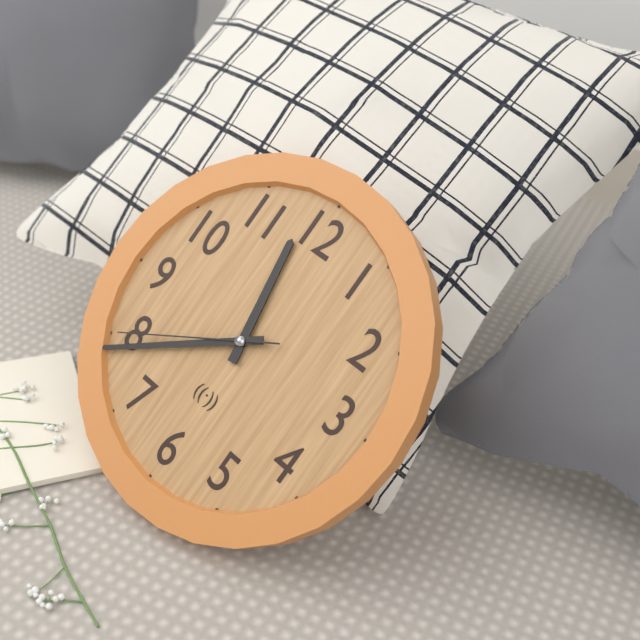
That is 11 h 39 min 40 s
